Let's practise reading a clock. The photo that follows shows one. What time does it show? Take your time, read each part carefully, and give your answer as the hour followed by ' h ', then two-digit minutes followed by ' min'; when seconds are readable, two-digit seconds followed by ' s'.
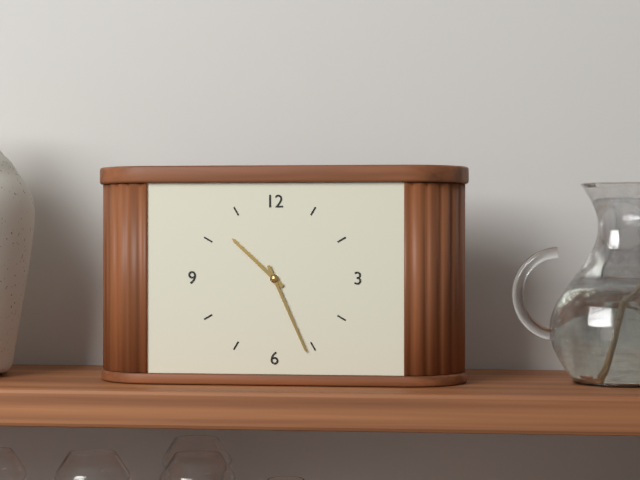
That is 10 h 26 min
